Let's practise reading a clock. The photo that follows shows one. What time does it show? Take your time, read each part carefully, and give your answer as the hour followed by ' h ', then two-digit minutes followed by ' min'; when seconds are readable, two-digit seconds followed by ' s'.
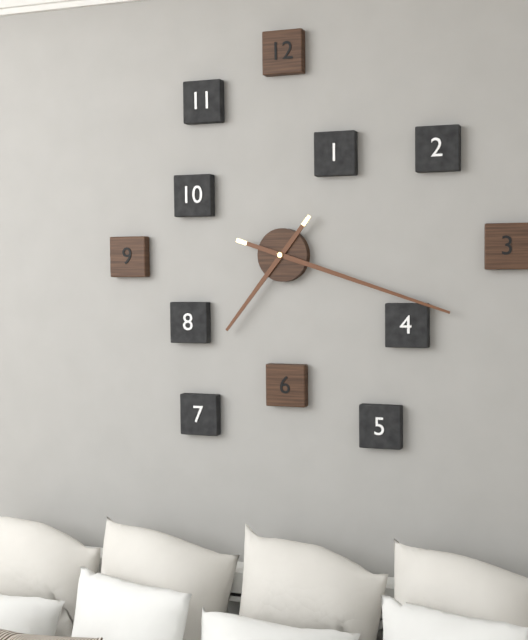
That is 7 h 18 min
